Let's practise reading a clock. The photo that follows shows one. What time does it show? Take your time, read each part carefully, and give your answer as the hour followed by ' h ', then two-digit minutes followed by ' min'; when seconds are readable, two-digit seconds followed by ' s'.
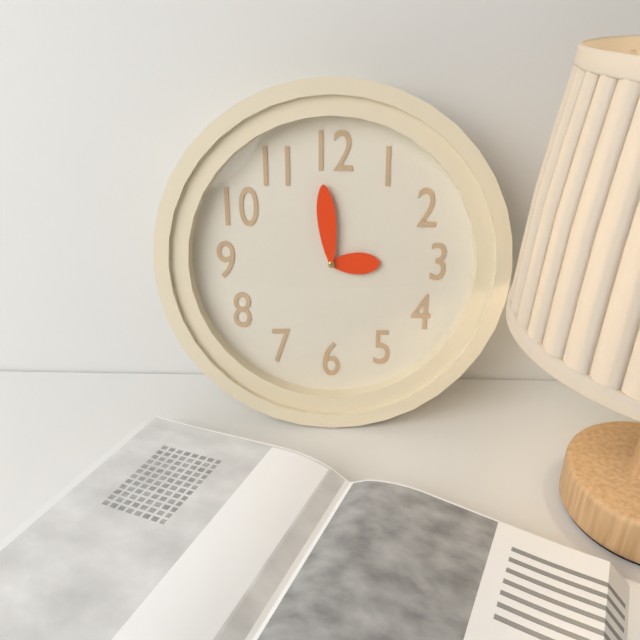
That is 2 h 59 min
